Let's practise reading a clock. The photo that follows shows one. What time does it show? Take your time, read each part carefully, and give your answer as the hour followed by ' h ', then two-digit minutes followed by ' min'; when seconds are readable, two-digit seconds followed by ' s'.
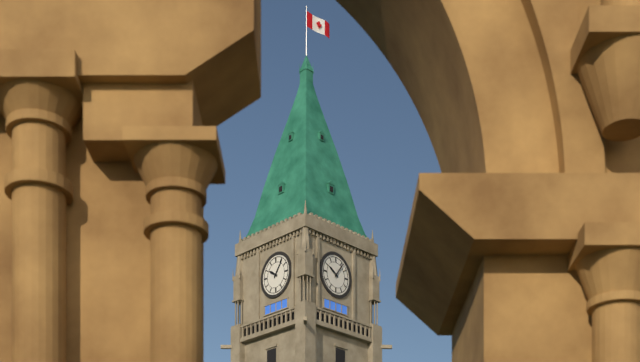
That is 10 h 06 min
